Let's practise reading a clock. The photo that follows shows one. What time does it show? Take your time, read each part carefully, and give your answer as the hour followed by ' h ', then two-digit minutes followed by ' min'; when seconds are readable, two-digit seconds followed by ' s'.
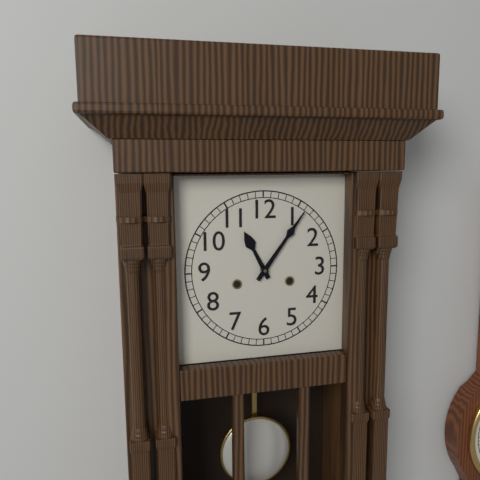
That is 11 h 06 min
